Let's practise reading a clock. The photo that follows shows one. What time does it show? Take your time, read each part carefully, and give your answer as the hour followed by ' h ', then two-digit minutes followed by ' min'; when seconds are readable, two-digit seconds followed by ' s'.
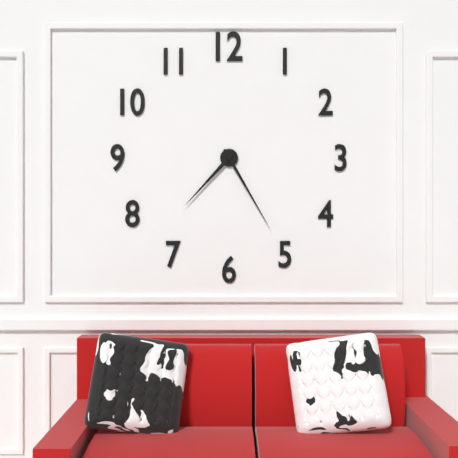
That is 7 h 25 min
